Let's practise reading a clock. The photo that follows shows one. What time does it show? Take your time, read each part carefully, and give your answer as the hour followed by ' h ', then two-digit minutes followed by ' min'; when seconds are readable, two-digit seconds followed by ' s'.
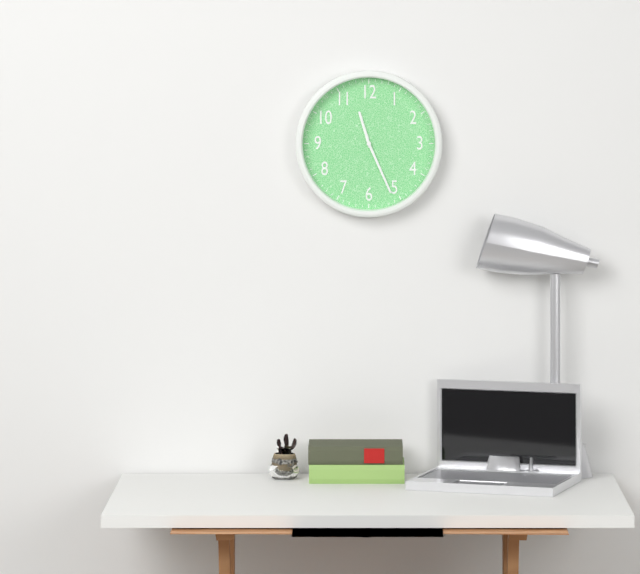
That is 11 h 26 min
